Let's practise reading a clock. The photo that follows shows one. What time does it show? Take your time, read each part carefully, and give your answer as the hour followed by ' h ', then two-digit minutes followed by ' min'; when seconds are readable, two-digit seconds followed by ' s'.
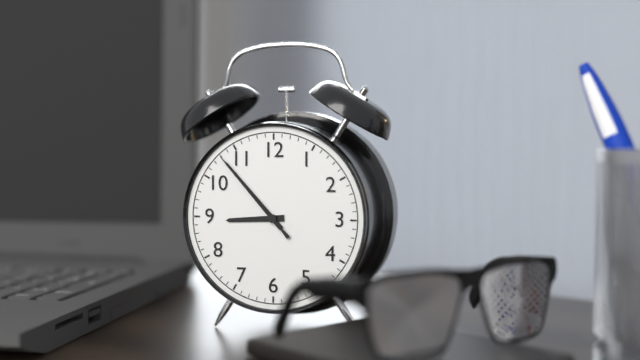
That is 8 h 53 min 53 s
